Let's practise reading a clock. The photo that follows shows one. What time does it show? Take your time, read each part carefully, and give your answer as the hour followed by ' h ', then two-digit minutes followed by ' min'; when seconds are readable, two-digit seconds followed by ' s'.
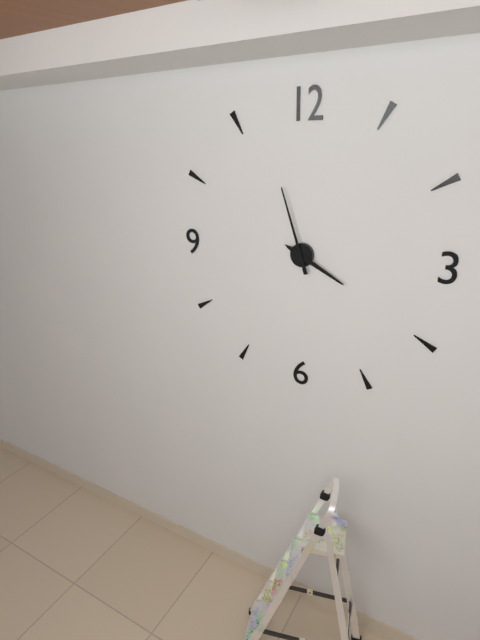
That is 3 h 57 min
